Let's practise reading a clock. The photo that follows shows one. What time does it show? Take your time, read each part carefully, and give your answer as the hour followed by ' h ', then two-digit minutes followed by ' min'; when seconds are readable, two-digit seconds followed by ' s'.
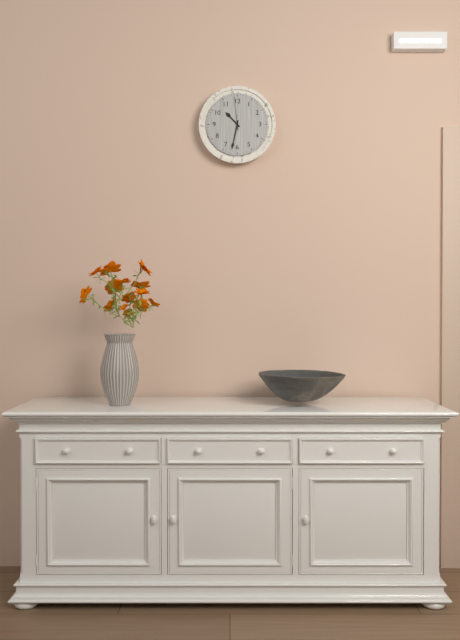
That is 10 h 32 min
